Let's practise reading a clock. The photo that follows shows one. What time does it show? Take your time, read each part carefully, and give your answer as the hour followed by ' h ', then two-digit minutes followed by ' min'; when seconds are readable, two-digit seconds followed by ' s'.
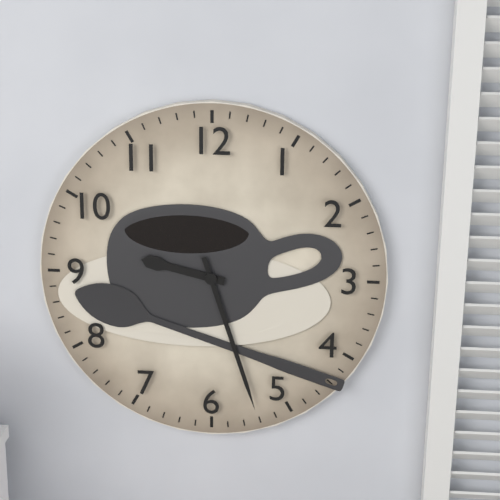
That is 9 h 27 min
